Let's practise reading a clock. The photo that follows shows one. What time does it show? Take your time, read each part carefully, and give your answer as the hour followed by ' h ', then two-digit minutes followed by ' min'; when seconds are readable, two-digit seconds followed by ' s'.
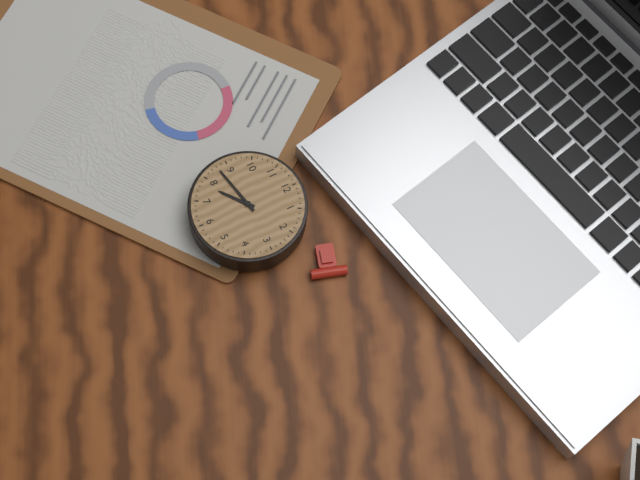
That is 7 h 43 min
